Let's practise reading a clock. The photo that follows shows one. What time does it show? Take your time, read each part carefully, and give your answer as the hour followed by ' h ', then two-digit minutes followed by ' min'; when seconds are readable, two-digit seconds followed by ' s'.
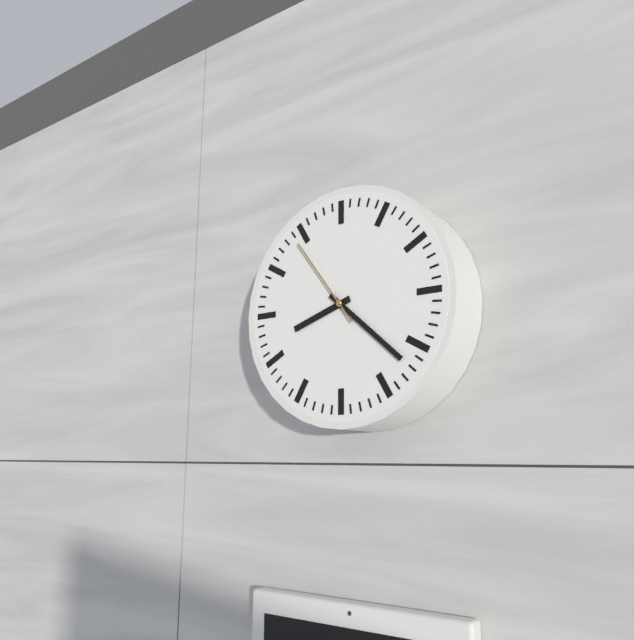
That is 8 h 22 min 54 s
